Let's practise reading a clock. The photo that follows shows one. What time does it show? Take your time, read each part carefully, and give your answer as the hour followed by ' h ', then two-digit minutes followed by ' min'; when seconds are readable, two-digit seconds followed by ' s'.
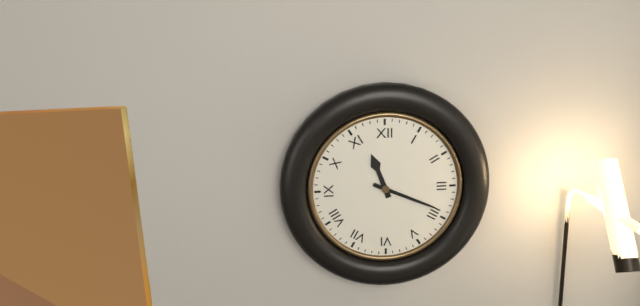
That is 11 h 19 min
